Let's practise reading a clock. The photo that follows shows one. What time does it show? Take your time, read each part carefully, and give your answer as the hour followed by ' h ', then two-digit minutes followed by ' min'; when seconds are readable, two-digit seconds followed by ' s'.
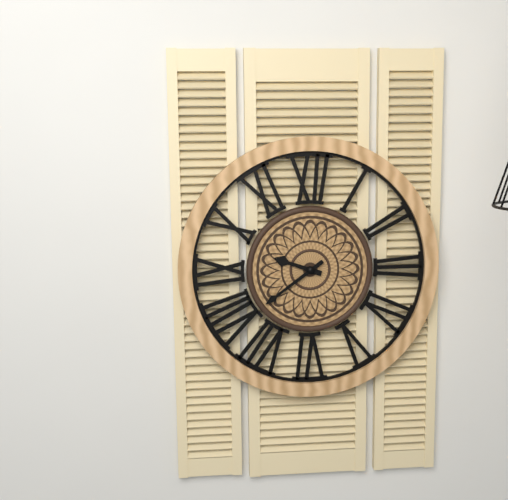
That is 9 h 39 min
